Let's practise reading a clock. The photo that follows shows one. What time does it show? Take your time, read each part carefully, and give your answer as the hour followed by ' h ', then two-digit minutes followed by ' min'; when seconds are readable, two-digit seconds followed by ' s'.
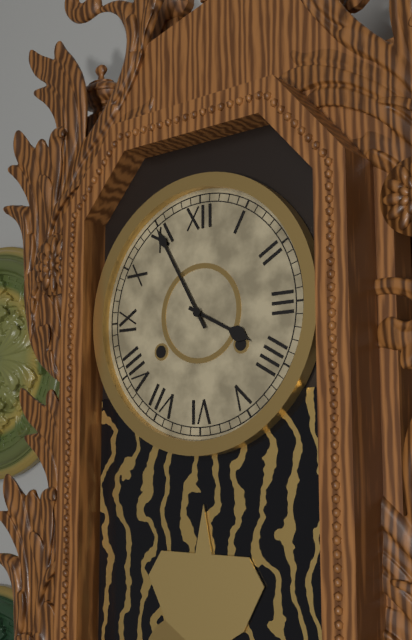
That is 3 h 55 min
